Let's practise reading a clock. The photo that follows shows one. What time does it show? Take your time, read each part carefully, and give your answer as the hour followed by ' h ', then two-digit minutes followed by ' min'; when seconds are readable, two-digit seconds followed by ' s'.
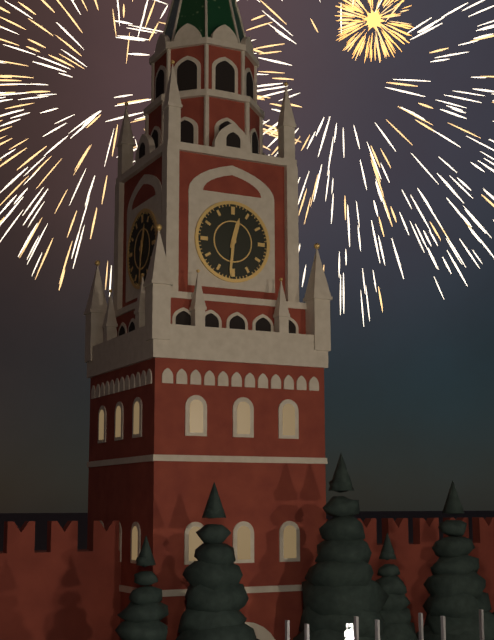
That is 12 h 31 min
